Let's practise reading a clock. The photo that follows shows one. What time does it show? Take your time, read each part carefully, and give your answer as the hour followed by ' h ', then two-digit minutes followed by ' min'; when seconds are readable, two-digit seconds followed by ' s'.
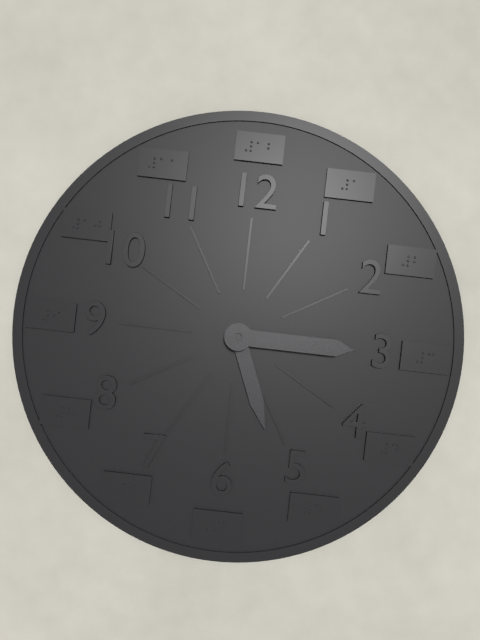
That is 5 h 15 min
